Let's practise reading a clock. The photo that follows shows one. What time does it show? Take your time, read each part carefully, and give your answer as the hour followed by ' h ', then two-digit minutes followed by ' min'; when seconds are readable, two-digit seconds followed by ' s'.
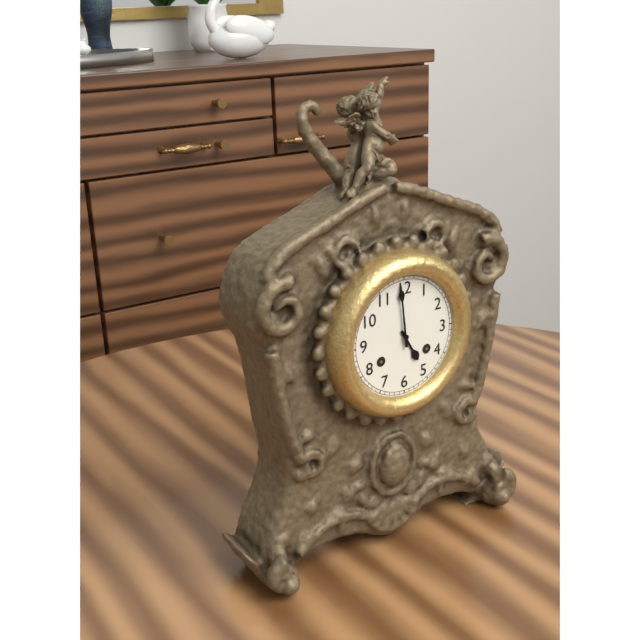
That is 4 h 59 min
